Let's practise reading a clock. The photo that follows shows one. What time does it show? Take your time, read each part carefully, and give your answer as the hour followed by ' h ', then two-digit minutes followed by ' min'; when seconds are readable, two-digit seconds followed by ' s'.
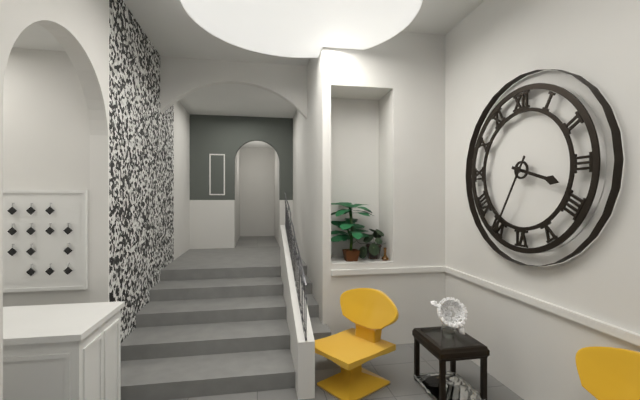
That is 3 h 35 min
